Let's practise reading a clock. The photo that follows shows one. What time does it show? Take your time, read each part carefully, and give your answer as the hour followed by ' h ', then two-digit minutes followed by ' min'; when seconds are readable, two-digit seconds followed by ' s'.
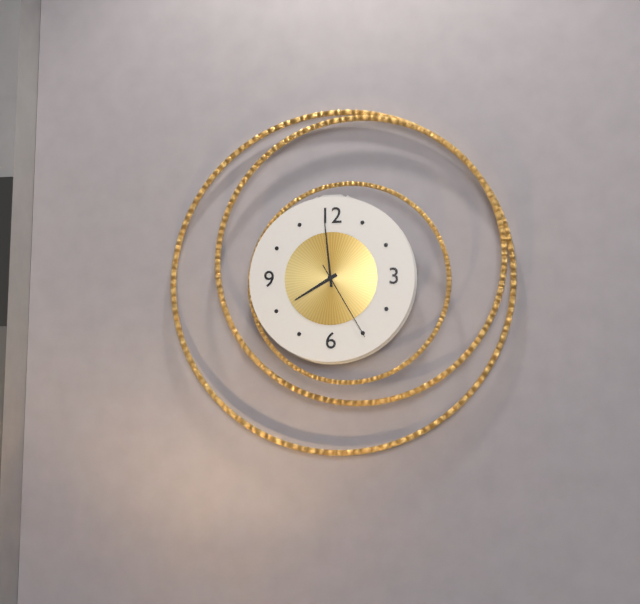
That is 7 h 59 min 25 s
